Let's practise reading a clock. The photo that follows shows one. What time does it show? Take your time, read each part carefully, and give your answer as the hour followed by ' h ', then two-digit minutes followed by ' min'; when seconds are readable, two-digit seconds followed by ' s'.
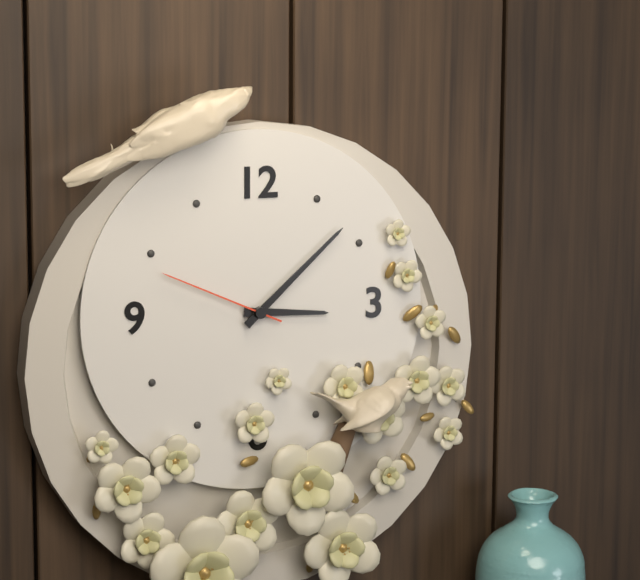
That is 3 h 08 min 49 s
